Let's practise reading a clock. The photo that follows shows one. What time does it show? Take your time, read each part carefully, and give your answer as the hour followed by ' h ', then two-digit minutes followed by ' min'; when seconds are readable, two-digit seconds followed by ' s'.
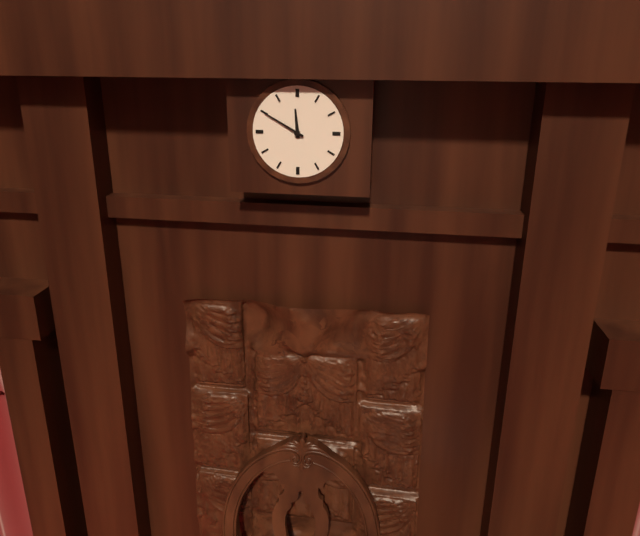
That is 11 h 50 min
